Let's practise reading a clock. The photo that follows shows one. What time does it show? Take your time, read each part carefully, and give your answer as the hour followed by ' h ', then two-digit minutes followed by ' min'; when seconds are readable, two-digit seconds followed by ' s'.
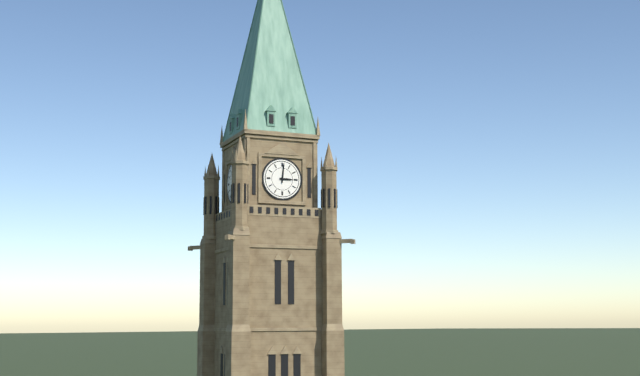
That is 3 h 01 min
